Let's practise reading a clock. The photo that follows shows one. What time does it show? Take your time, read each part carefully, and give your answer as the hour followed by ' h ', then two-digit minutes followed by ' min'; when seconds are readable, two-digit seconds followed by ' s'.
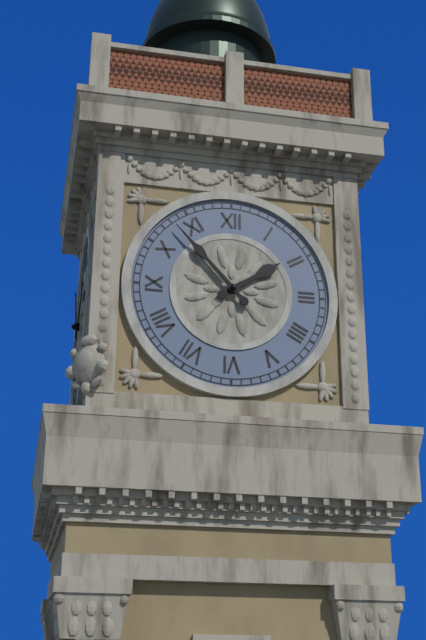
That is 1 h 53 min
